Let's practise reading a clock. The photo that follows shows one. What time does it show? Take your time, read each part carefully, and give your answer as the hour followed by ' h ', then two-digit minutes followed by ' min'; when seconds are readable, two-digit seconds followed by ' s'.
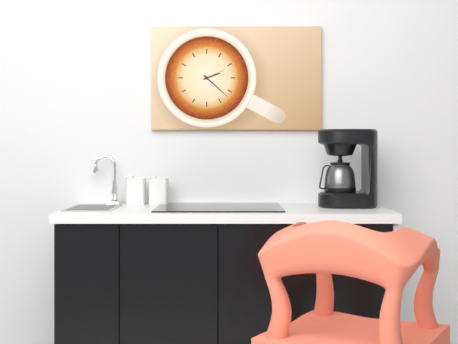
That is 2 h 22 min
